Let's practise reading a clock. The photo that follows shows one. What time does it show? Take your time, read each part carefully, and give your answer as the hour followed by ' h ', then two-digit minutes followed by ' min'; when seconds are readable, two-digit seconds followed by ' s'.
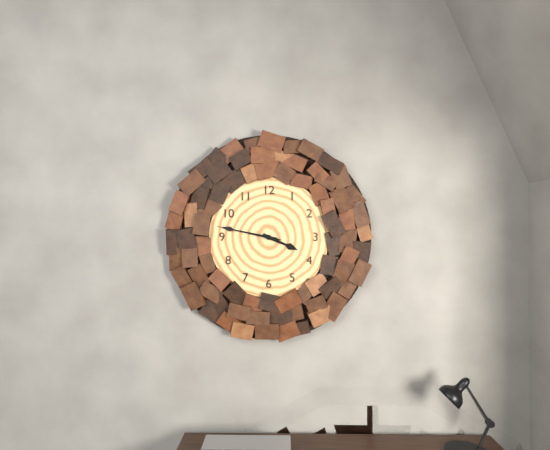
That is 3 h 47 min 47 s
